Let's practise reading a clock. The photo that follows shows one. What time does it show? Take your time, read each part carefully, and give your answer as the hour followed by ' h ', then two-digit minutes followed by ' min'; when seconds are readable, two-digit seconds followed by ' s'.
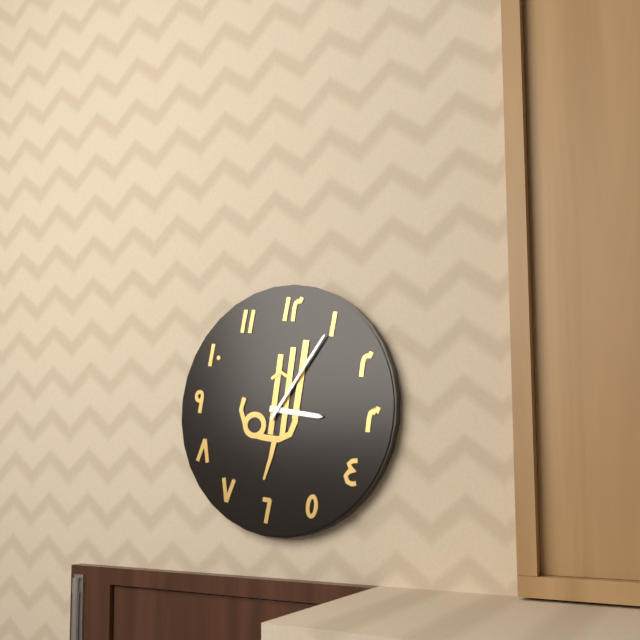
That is 3 h 05 min
